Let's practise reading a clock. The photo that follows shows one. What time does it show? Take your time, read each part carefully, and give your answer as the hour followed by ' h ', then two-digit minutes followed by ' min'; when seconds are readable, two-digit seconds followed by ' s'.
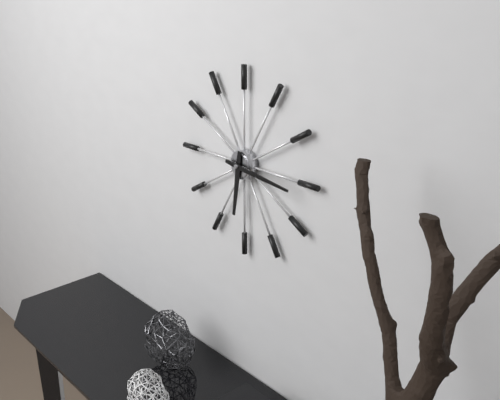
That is 6 h 16 min
